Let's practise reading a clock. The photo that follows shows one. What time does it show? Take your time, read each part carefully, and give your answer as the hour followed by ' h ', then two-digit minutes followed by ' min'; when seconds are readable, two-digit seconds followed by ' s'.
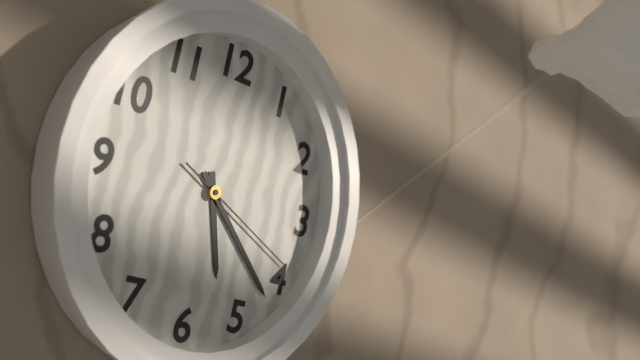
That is 5 h 22 min 19 s
